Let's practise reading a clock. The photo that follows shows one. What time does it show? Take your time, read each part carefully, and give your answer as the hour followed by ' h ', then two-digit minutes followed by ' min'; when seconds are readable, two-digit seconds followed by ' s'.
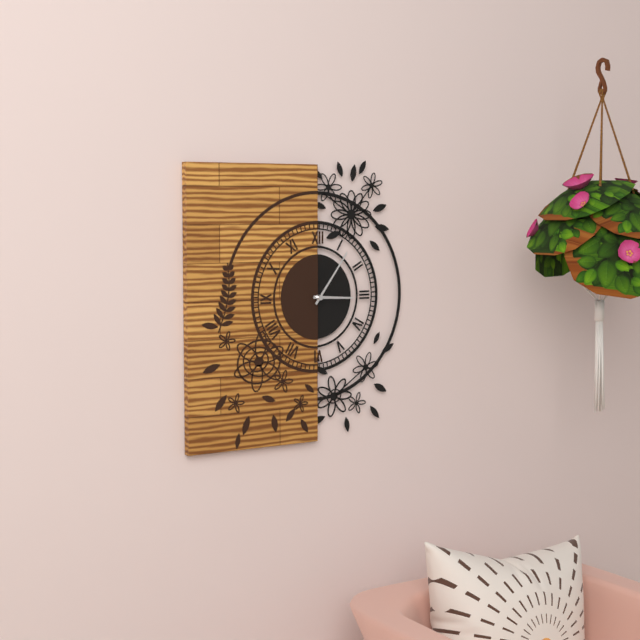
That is 3 h 06 min
